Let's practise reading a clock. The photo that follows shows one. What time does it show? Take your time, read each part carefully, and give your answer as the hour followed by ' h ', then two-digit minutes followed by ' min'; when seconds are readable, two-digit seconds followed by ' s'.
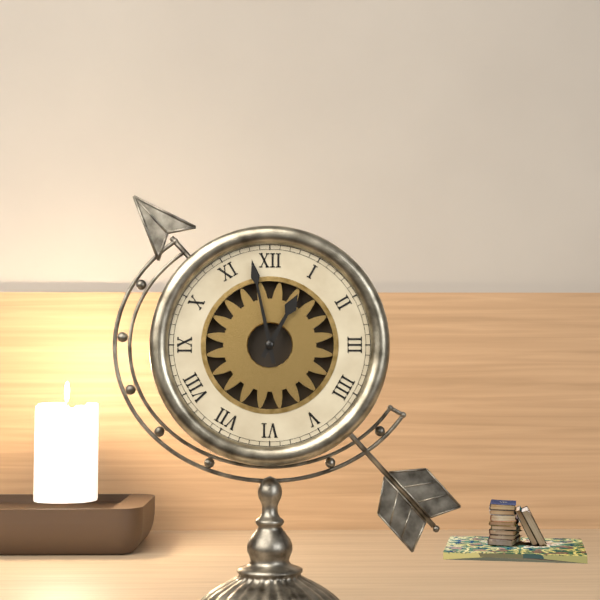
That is 12 h 58 min
